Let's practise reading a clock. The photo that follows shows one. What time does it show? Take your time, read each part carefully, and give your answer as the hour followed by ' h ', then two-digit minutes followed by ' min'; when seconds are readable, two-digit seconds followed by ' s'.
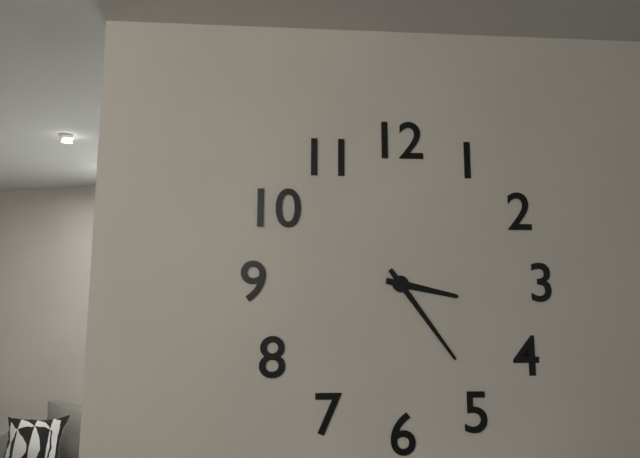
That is 3 h 24 min
